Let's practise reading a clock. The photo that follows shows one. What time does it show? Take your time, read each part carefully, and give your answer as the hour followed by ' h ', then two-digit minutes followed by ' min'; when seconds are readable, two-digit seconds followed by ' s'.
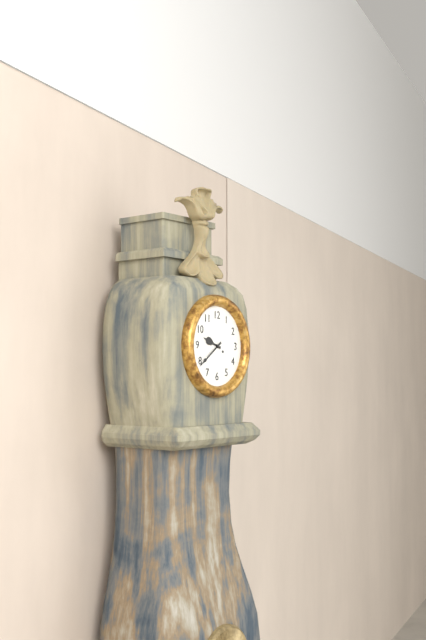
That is 9 h 39 min
